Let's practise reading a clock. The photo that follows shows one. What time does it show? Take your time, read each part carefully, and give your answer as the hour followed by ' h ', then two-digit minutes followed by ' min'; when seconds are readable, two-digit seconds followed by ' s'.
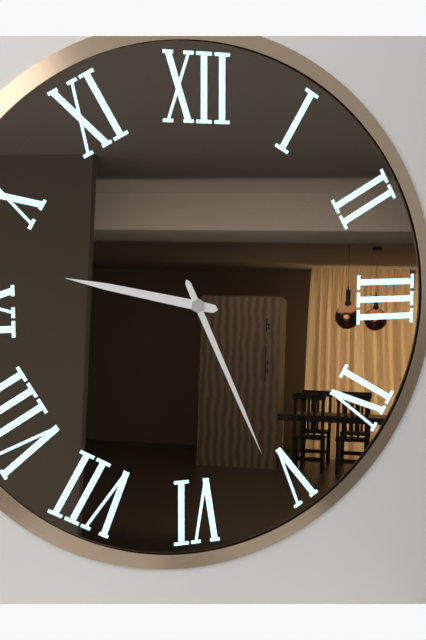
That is 9 h 26 min
